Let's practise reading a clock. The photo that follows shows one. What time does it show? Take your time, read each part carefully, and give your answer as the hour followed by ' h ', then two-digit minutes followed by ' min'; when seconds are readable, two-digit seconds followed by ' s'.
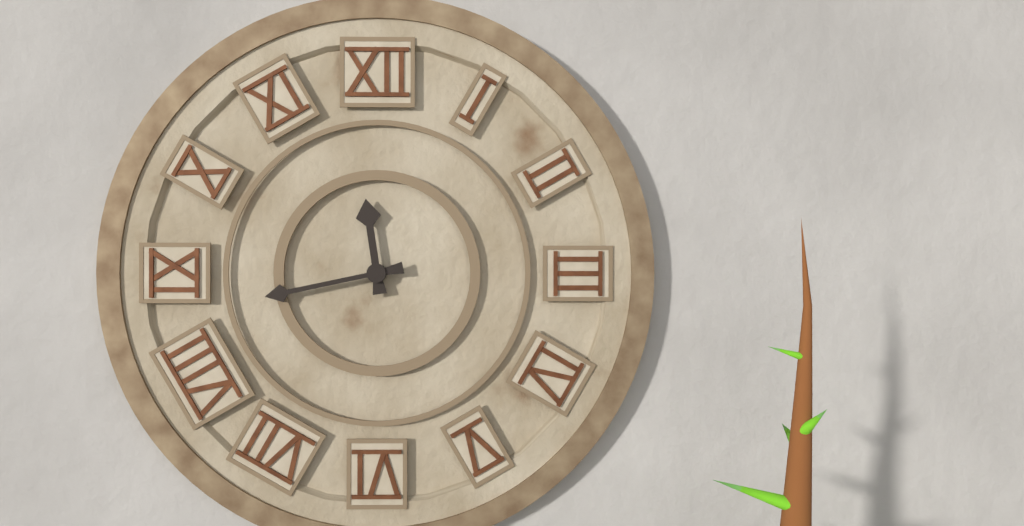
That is 11 h 43 min
